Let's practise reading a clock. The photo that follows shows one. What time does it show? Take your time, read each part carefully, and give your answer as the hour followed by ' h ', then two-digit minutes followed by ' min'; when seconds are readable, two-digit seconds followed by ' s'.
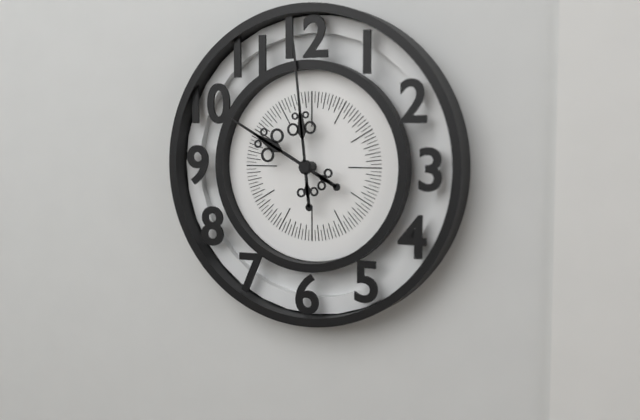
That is 9 h 59 min
